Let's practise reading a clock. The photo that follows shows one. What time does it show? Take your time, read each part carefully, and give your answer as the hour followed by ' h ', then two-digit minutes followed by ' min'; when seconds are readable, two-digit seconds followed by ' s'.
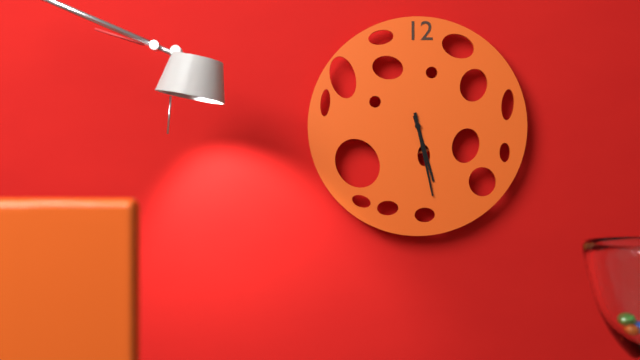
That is 5 h 28 min
